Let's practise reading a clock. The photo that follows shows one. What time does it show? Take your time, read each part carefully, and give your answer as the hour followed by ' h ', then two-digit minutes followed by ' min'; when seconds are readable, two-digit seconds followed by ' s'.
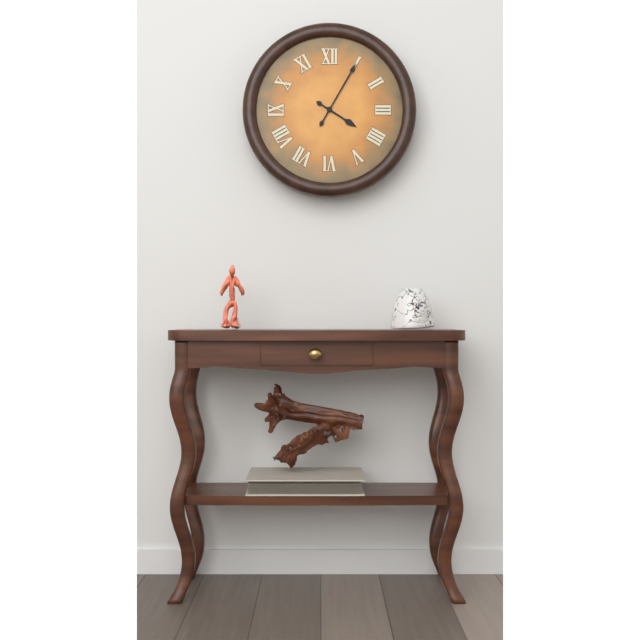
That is 4 h 05 min
